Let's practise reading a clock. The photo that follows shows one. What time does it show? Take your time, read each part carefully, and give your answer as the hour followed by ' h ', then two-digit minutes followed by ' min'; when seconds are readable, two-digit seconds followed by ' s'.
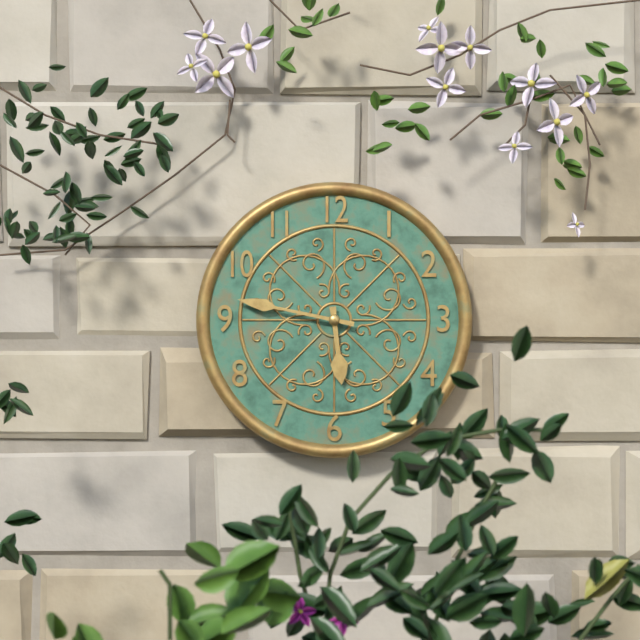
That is 5 h 47 min
